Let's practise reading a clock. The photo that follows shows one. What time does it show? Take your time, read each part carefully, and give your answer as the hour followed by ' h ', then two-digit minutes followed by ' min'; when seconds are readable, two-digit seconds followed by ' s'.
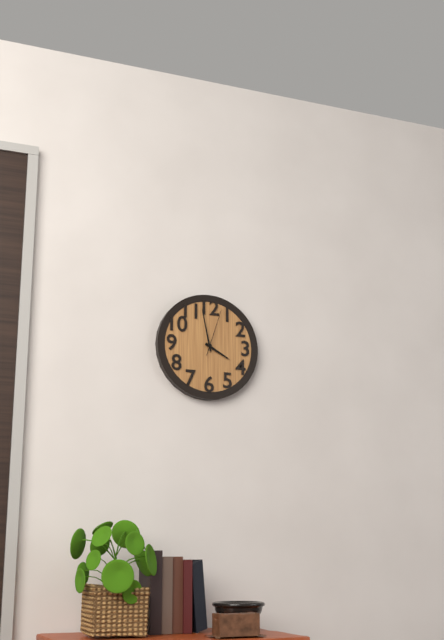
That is 3 h 58 min
